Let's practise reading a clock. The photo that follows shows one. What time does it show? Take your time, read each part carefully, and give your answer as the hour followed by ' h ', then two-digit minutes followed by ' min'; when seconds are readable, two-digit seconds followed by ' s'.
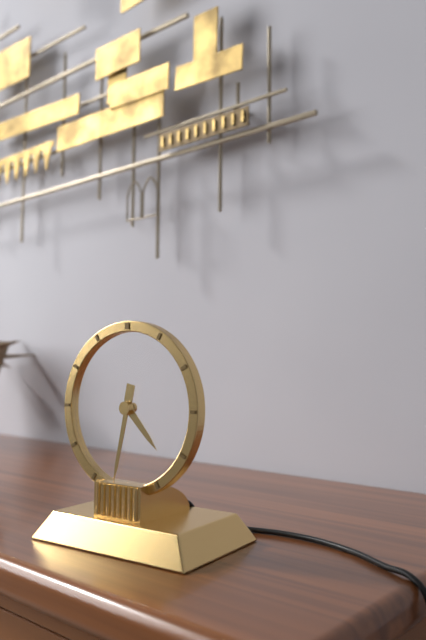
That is 4 h 32 min
